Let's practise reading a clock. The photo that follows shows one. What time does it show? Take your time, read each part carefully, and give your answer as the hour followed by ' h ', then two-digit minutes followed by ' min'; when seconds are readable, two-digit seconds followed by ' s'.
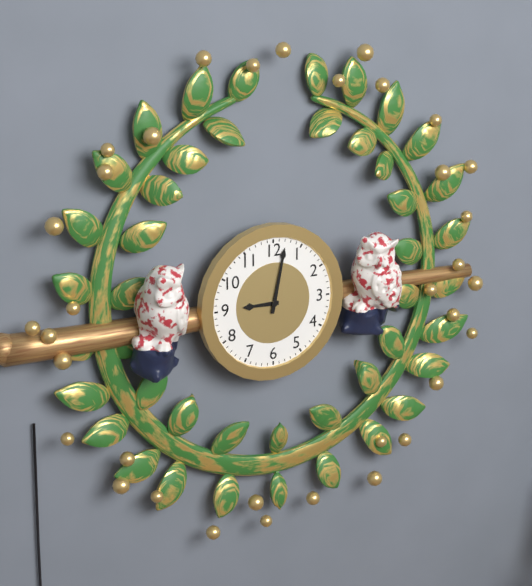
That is 9 h 02 min
